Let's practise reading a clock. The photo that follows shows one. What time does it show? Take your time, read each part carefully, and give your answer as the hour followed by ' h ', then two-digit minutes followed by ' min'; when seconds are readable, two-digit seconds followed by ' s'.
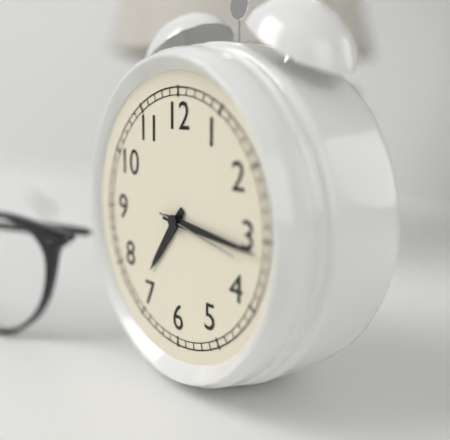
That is 7 h 16 min 17 s
